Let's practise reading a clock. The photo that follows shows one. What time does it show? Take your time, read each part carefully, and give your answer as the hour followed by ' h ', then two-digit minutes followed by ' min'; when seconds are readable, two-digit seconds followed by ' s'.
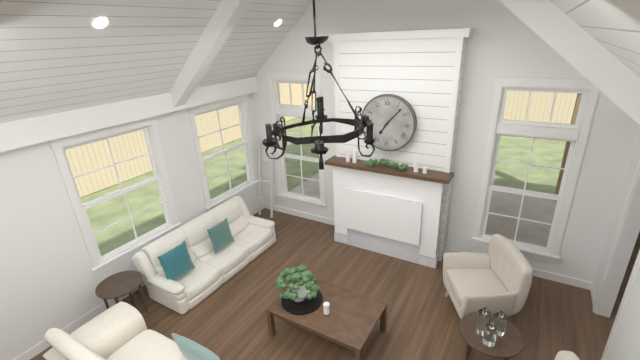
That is 7 h 07 min
